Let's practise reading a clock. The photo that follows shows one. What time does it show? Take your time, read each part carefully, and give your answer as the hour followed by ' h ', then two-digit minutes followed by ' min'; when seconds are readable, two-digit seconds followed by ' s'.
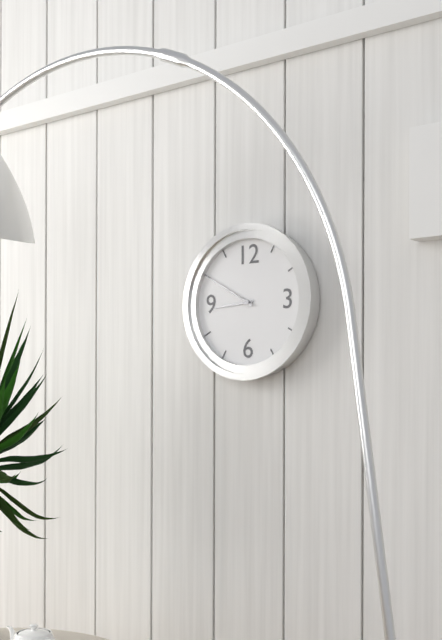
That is 8 h 50 min
